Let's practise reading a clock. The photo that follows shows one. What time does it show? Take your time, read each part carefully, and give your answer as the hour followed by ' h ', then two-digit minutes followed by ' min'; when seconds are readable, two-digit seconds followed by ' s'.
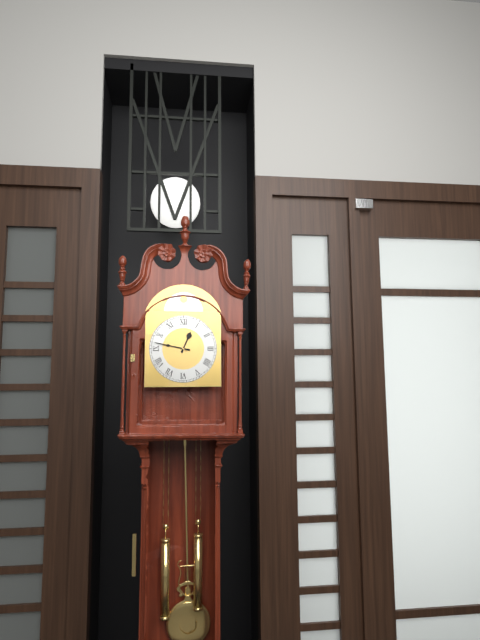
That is 12 h 47 min
